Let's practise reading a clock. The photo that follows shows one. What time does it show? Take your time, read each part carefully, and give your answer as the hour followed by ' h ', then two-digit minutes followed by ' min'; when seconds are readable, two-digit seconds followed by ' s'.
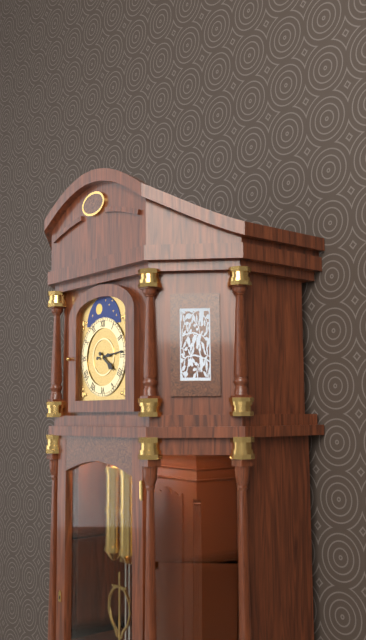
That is 4 h 14 min
